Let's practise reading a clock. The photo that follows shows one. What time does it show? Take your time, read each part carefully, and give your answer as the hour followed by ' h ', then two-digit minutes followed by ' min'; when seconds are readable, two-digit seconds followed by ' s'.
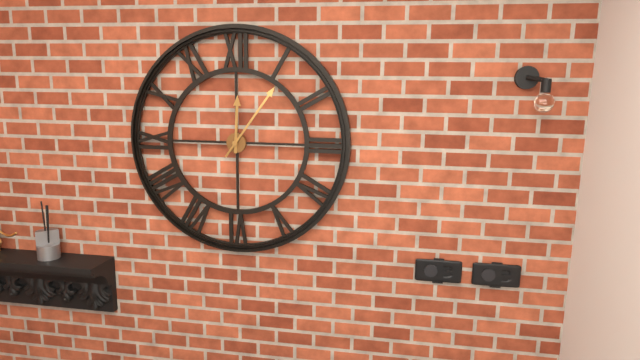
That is 12 h 06 min
